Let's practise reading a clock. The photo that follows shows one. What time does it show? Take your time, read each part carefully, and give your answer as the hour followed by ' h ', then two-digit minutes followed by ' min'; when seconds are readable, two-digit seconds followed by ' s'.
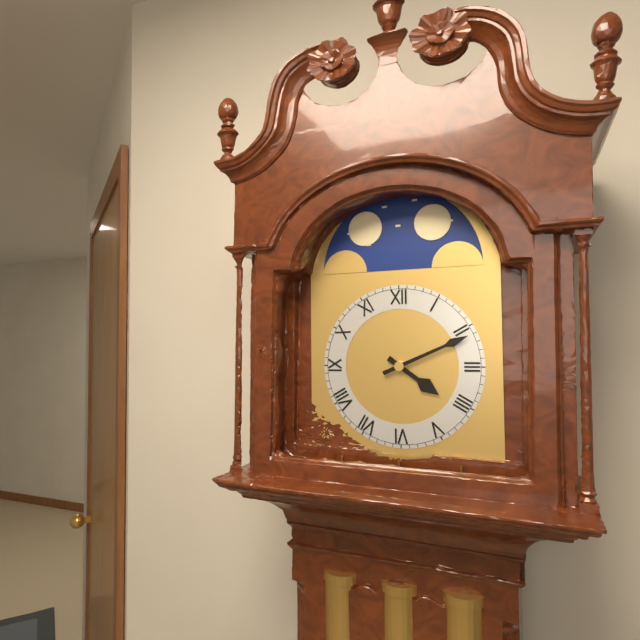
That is 4 h 11 min
